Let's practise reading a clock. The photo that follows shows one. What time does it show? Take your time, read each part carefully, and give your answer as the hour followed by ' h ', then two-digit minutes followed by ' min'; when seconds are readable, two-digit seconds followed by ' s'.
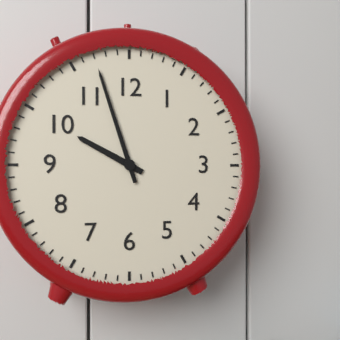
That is 9 h 57 min
